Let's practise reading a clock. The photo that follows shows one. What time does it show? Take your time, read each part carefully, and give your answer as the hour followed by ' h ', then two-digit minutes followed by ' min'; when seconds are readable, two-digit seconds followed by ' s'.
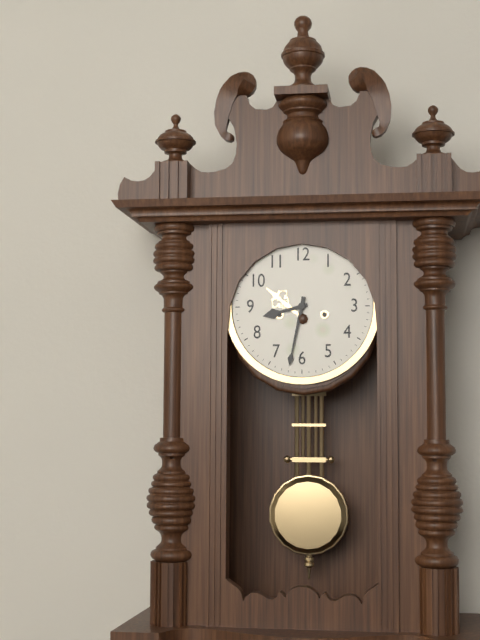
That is 8 h 32 min
